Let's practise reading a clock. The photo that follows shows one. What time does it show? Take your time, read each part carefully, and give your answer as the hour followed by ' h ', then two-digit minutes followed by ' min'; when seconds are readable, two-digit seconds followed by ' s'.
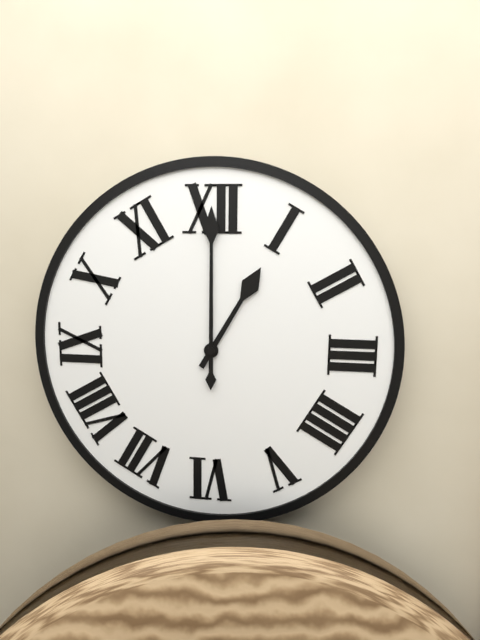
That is 1 h 00 min
